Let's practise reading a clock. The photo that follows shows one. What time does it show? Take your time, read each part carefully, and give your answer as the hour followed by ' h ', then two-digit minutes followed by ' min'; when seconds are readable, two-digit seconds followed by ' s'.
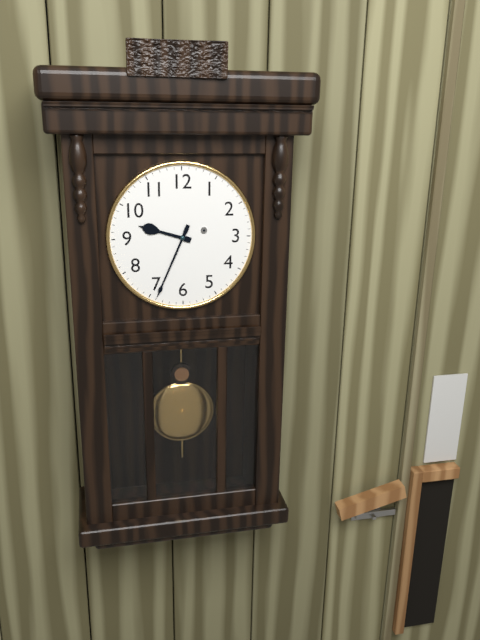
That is 9 h 34 min
